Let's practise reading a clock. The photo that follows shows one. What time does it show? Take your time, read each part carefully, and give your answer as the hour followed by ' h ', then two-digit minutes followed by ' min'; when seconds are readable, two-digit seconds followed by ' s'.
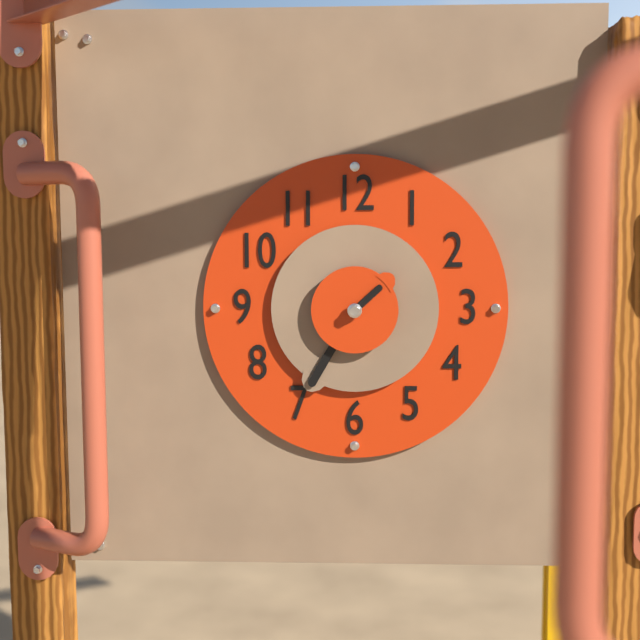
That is 1 h 35 min
